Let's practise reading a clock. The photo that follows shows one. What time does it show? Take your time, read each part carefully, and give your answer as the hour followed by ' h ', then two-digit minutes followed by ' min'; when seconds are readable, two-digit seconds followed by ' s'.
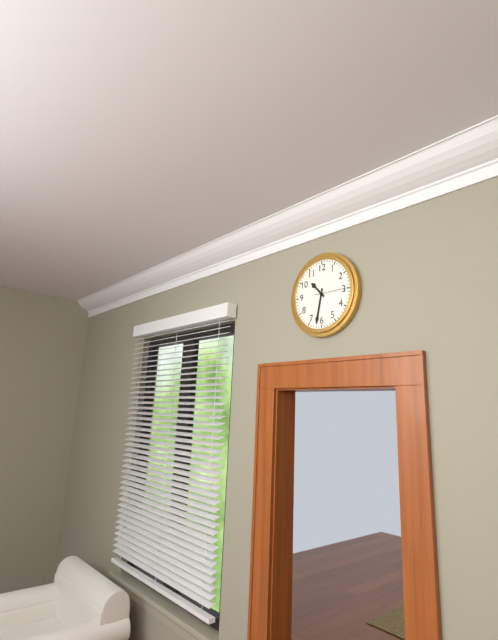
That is 10 h 32 min
